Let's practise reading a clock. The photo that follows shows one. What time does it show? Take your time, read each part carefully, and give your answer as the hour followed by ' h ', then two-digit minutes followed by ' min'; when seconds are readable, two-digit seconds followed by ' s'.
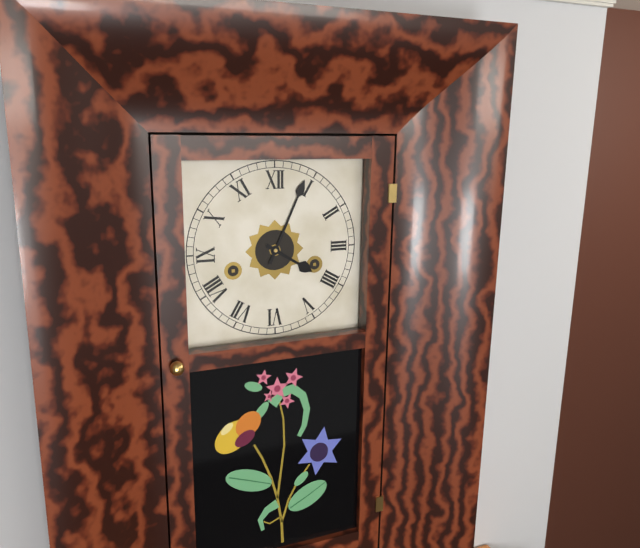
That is 4 h 04 min
